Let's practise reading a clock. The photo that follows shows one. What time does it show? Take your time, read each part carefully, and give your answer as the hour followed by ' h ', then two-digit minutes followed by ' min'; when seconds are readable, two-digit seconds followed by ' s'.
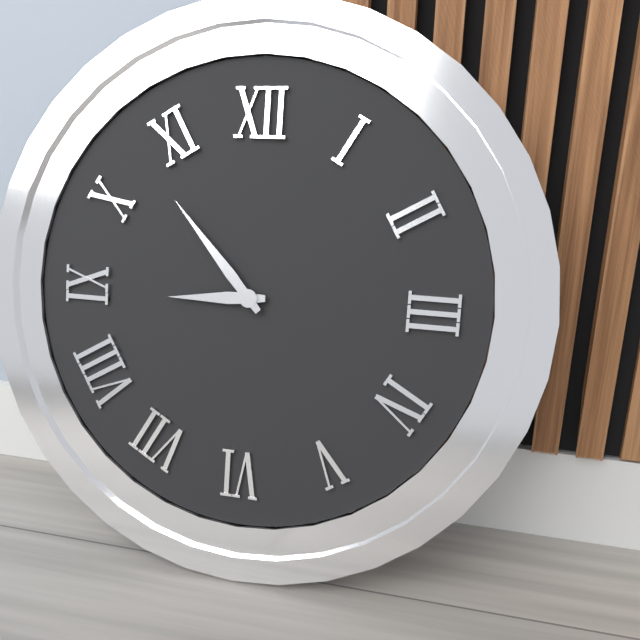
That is 8 h 53 min
